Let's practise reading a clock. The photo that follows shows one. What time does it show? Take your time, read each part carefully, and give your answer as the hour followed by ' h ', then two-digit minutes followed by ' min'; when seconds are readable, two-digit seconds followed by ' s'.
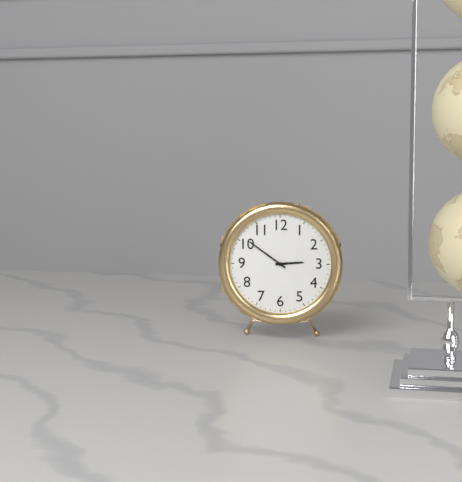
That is 2 h 51 min
